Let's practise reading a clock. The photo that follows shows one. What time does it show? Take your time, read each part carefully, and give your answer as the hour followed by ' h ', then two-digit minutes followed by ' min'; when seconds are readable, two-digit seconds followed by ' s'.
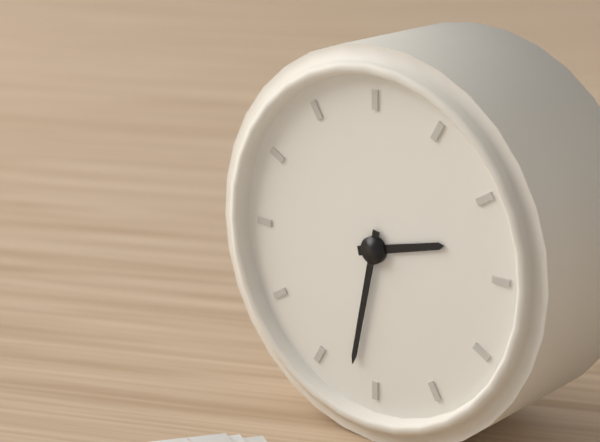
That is 2 h 32 min
